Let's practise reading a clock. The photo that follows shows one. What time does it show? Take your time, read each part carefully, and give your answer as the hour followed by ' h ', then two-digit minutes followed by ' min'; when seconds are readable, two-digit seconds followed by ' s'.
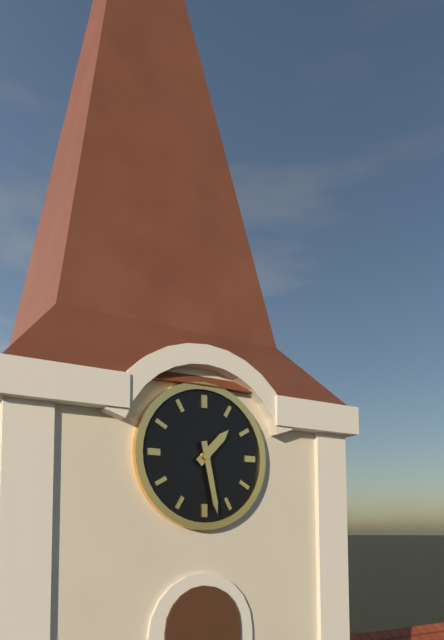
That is 1 h 28 min
